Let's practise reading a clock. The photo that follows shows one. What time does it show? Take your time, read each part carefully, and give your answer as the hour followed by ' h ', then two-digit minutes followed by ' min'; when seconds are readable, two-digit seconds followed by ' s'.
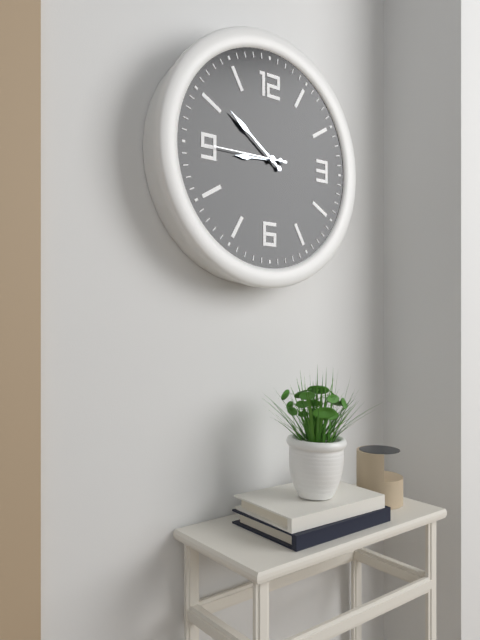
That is 8 h 51 min 45 s
